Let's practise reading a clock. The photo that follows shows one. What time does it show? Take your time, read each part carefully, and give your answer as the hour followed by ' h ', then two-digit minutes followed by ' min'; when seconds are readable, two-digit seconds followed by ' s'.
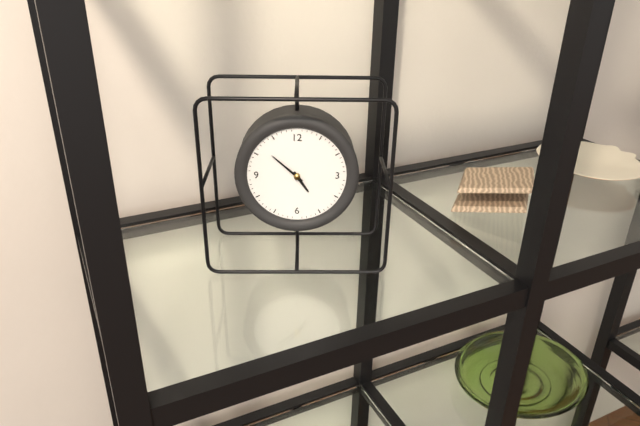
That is 4 h 52 min
